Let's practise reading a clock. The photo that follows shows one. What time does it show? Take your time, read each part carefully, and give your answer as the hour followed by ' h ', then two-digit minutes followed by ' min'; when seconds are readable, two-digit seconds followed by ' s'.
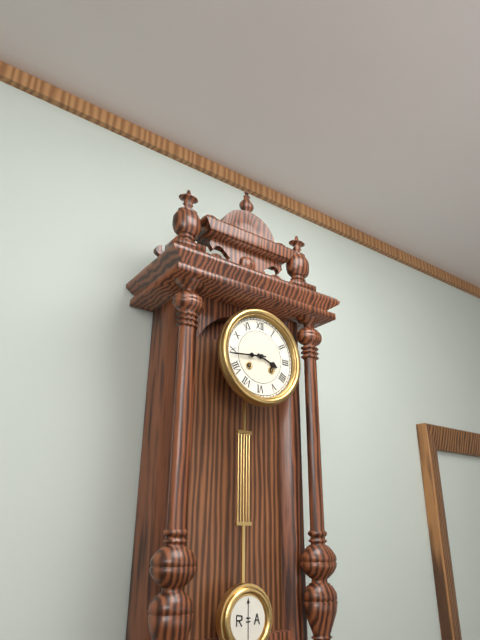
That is 3 h 44 min
